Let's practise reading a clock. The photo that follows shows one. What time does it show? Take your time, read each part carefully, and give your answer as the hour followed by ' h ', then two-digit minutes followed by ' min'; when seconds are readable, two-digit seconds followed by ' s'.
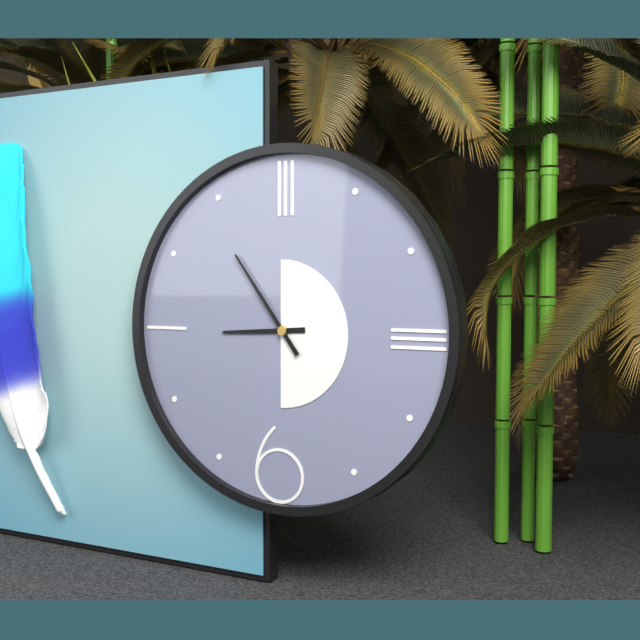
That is 8 h 54 min
